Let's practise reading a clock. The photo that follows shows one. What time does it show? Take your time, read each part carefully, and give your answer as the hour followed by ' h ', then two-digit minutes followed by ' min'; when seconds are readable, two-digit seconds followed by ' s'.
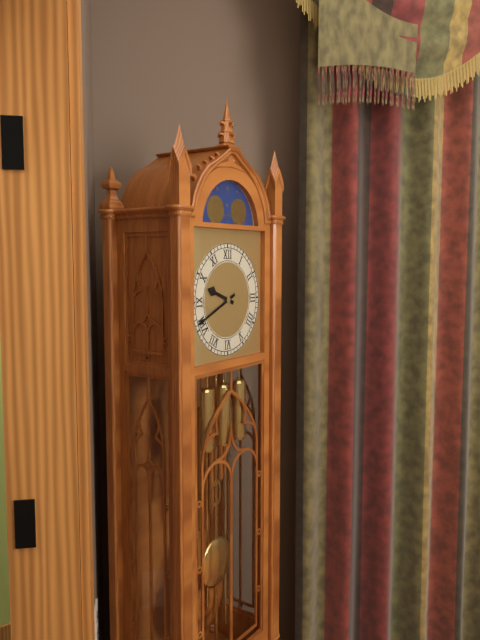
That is 9 h 41 min
